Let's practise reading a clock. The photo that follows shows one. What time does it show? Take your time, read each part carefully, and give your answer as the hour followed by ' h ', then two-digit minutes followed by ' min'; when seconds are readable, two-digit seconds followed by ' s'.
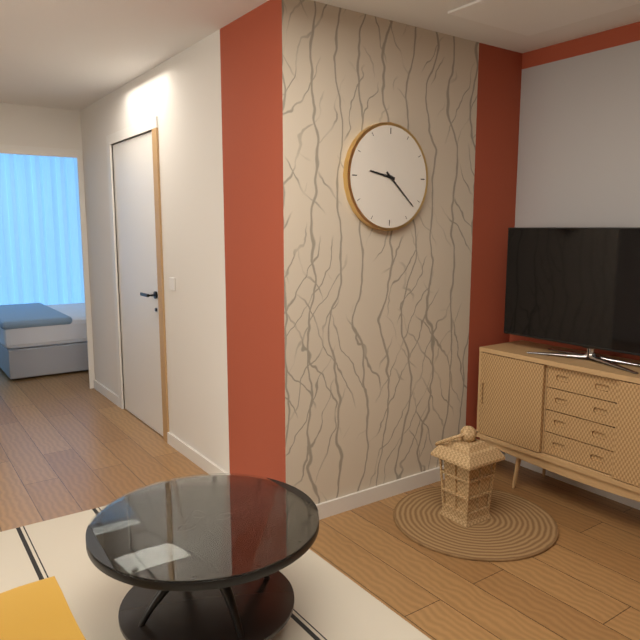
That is 9 h 22 min
